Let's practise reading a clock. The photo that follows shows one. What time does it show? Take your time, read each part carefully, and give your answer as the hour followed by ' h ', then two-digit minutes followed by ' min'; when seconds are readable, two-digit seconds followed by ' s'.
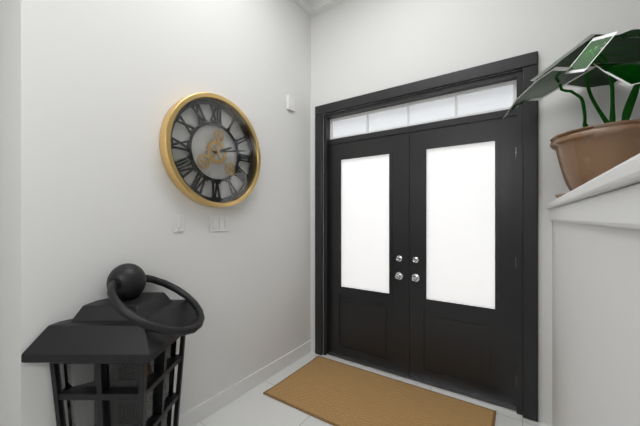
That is 2 h 13 min
